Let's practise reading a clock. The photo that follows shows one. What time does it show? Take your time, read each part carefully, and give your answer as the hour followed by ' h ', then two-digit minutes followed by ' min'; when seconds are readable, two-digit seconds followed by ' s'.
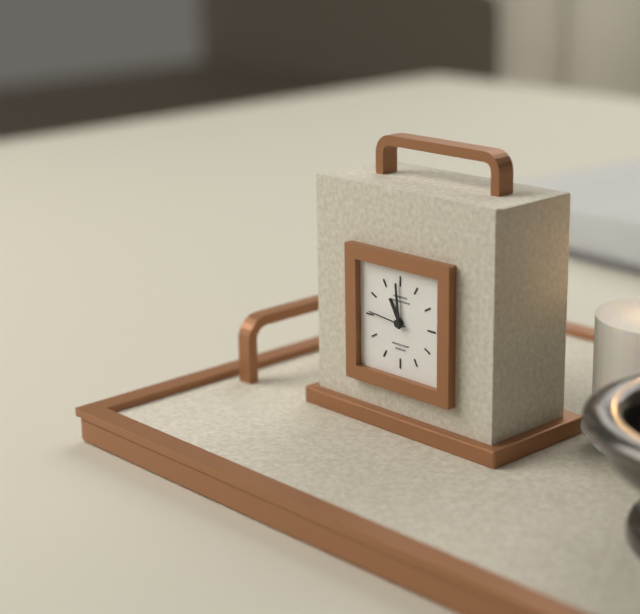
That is 10 h 59 min
